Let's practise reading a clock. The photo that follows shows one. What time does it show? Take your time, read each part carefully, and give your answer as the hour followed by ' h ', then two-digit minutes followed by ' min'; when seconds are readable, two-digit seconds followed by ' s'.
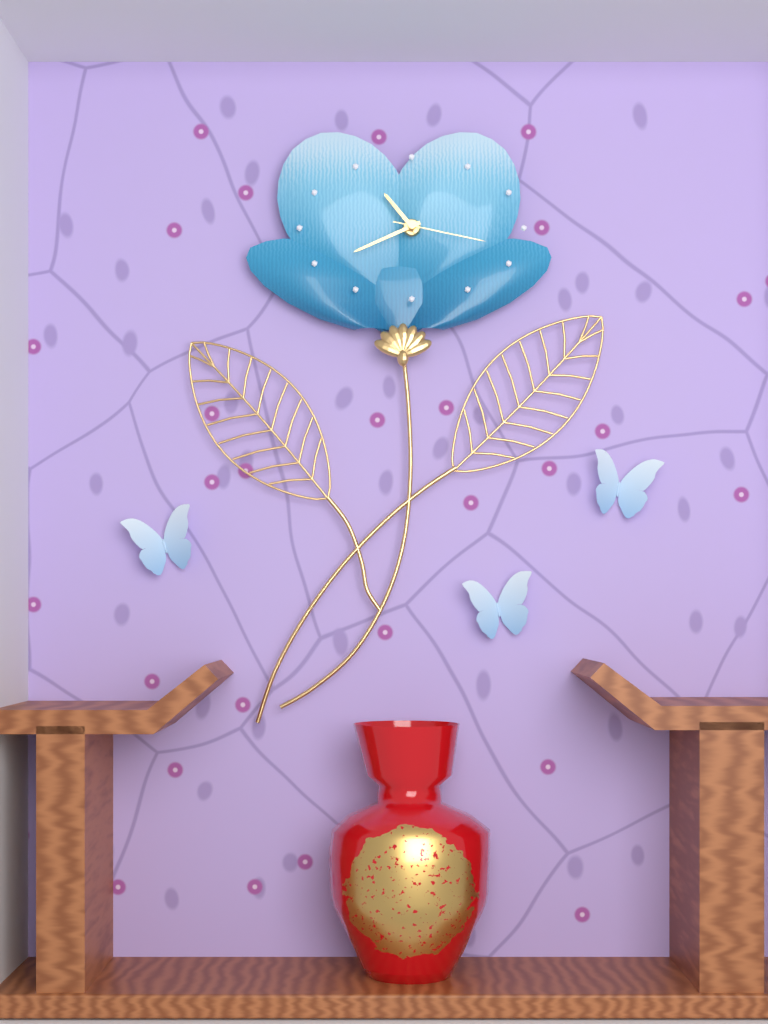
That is 10 h 41 min 17 s
